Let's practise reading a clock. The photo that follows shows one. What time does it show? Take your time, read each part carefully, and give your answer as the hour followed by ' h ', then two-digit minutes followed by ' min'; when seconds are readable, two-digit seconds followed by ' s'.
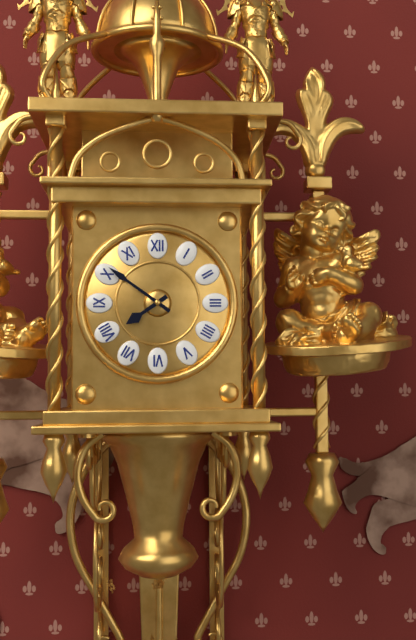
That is 7 h 51 min
